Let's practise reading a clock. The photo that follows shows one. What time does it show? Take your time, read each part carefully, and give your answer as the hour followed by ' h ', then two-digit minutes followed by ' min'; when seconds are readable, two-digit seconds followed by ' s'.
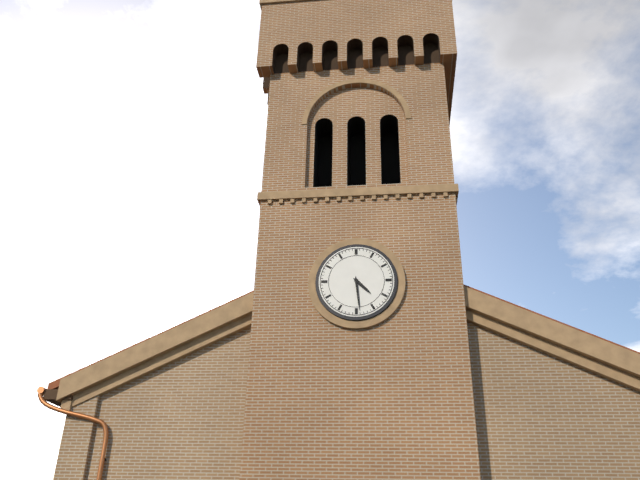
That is 4 h 29 min
